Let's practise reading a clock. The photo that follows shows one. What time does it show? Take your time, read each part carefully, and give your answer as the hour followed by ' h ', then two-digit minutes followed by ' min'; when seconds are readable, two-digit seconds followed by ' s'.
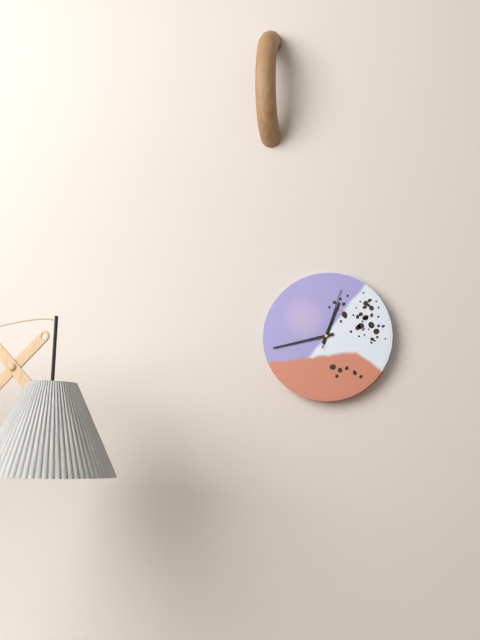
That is 12 h 43 min 03 s
